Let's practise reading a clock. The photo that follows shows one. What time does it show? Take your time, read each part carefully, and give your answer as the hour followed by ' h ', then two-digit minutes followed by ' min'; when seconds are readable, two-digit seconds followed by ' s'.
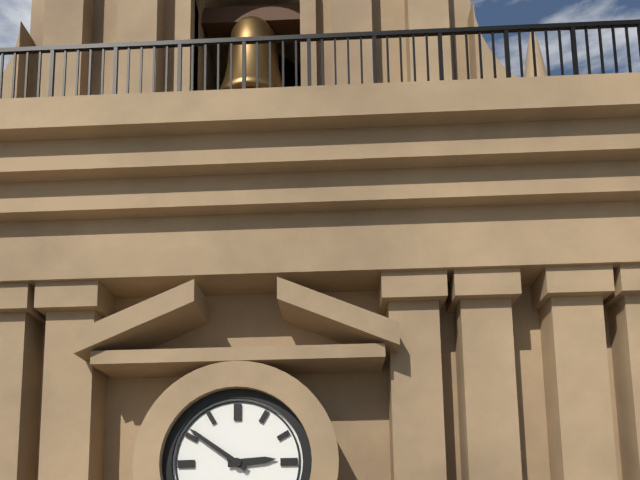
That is 2 h 51 min
